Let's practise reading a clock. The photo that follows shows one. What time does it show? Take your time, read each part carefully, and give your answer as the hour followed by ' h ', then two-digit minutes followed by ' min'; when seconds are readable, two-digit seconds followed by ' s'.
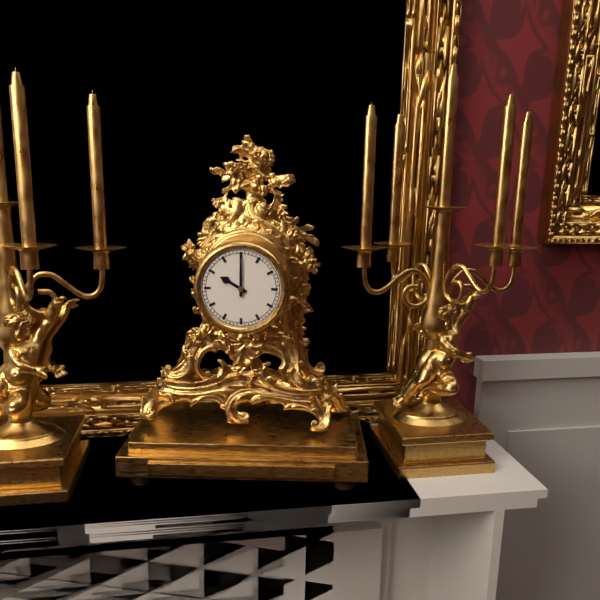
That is 10 h 00 min
